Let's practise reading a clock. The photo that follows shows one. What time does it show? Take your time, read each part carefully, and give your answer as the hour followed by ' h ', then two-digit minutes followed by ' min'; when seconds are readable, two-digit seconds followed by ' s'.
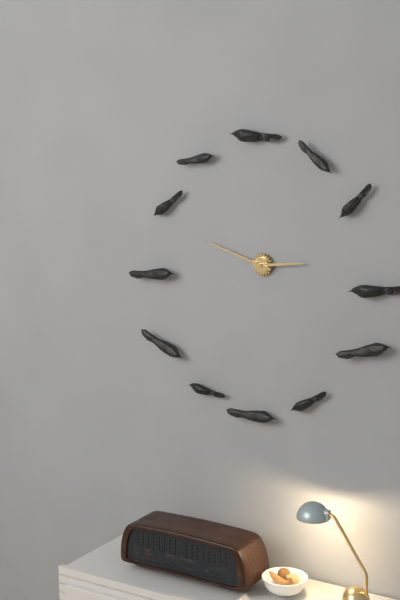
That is 2 h 48 min
